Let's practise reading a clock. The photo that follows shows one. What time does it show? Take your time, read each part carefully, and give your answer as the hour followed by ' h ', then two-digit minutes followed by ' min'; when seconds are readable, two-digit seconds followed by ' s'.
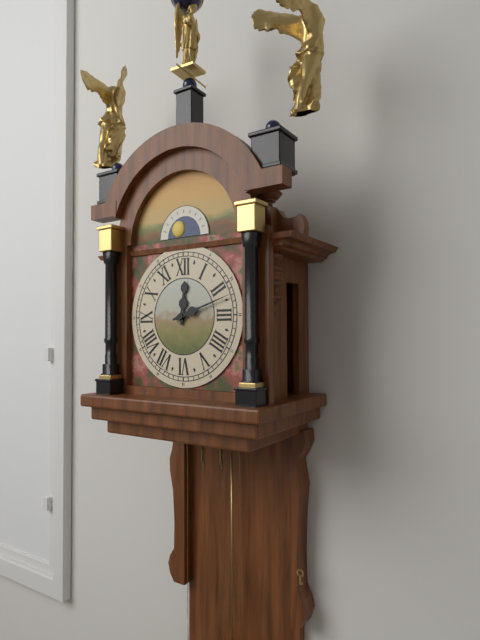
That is 12 h 12 min
